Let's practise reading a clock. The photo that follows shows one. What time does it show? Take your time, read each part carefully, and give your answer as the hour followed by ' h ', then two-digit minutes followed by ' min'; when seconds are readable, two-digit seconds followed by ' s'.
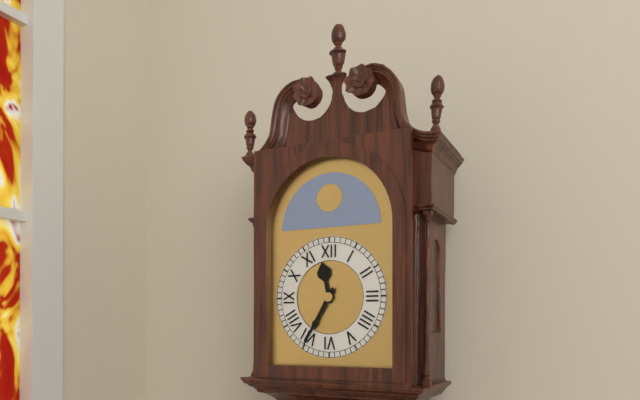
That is 11 h 35 min
